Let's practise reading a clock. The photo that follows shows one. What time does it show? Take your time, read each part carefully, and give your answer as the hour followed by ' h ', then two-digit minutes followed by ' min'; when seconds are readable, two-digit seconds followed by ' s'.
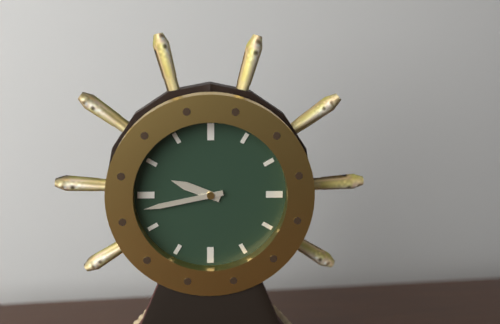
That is 9 h 43 min
